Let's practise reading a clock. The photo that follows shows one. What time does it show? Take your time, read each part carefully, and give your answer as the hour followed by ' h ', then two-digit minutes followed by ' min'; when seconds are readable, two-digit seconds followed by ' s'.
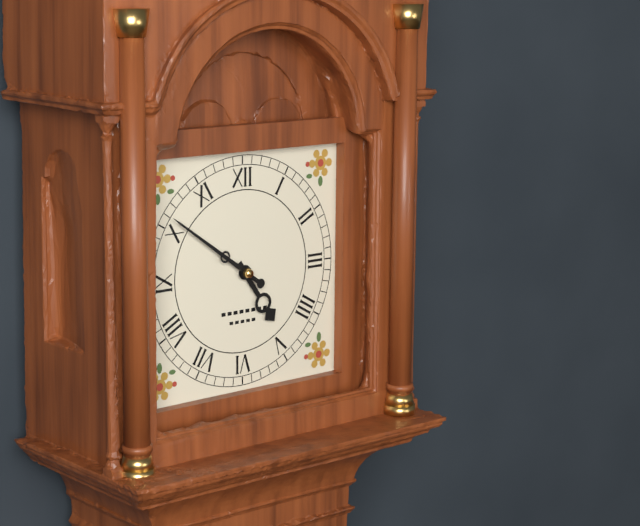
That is 4 h 51 min
